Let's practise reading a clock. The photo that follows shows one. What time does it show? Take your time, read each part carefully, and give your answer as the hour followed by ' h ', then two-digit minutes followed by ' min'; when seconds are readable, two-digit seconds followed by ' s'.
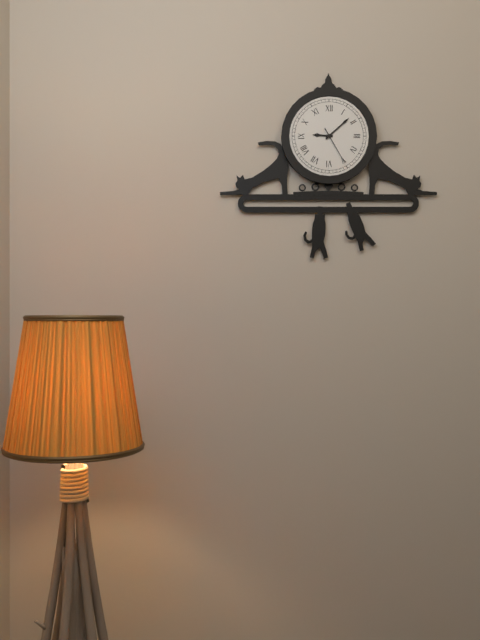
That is 9 h 08 min
